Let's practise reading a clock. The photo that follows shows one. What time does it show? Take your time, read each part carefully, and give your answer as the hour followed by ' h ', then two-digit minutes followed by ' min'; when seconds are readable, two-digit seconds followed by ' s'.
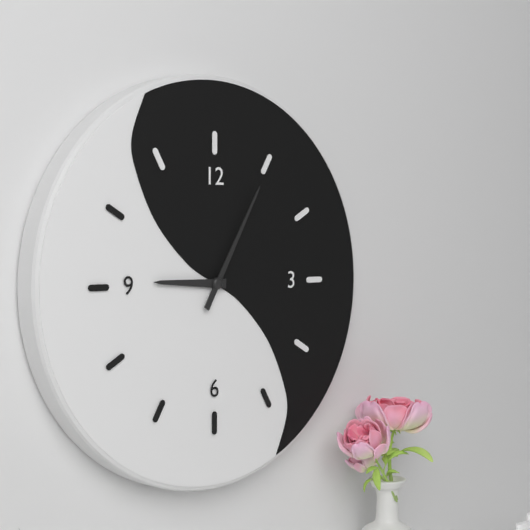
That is 9 h 05 min
